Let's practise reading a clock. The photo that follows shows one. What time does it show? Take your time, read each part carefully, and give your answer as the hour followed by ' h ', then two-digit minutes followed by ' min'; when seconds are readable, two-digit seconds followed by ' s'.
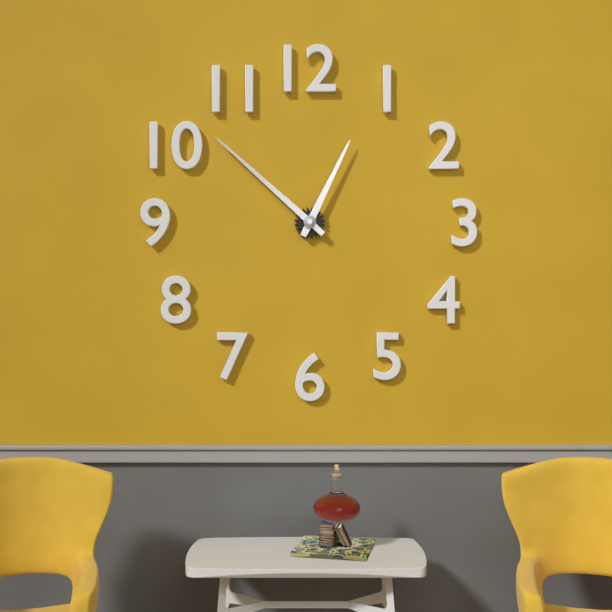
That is 12 h 52 min
